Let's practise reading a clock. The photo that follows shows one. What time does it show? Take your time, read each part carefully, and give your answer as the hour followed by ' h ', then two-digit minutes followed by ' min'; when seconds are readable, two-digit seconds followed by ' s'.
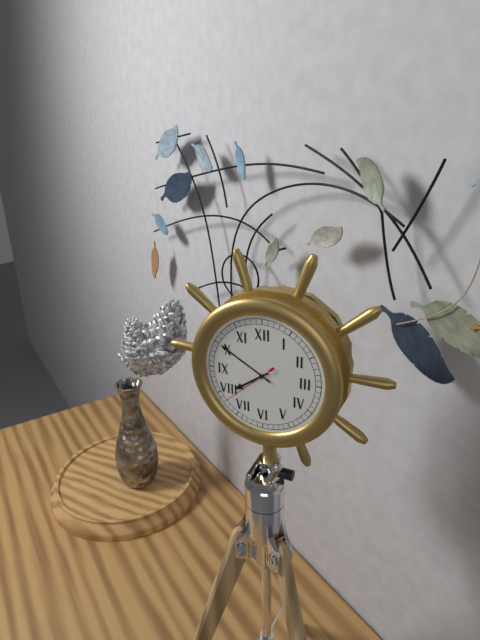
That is 7 h 50 min 38 s
